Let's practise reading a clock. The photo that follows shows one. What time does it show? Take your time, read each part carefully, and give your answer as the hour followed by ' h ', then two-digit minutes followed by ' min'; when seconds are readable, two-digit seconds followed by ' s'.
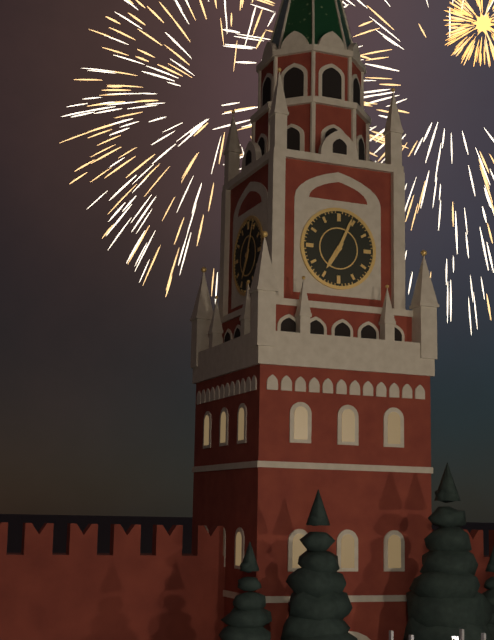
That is 7 h 04 min
